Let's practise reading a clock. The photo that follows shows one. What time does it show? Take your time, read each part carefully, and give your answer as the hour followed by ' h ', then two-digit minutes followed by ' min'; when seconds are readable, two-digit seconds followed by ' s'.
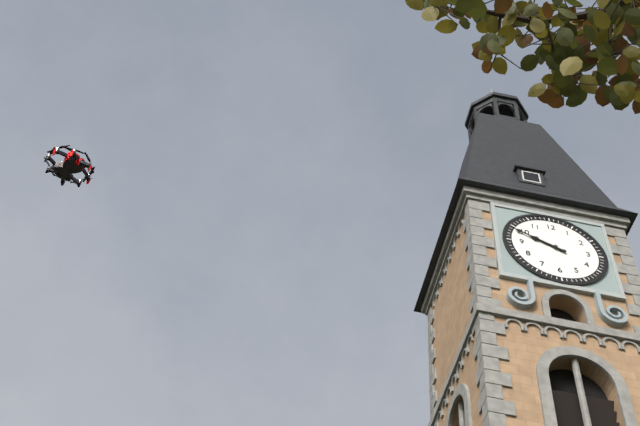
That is 9 h 49 min
